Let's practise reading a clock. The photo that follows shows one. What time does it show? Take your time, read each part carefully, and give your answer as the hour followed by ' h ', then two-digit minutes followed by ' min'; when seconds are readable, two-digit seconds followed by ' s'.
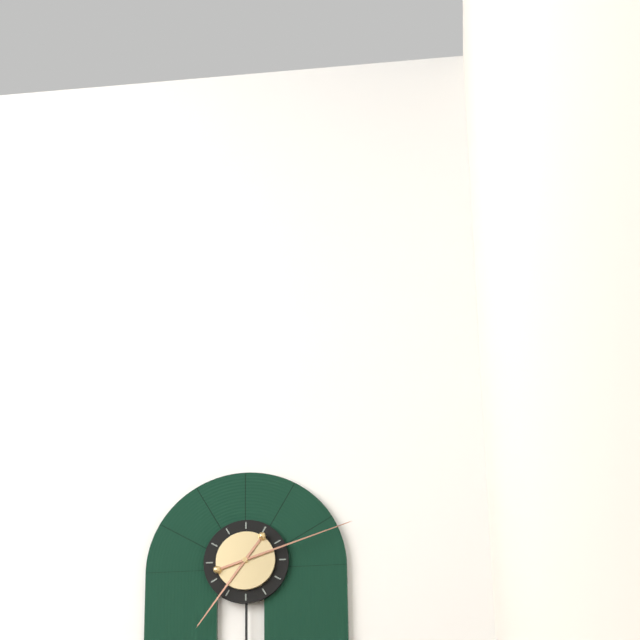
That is 7 h 12 min
